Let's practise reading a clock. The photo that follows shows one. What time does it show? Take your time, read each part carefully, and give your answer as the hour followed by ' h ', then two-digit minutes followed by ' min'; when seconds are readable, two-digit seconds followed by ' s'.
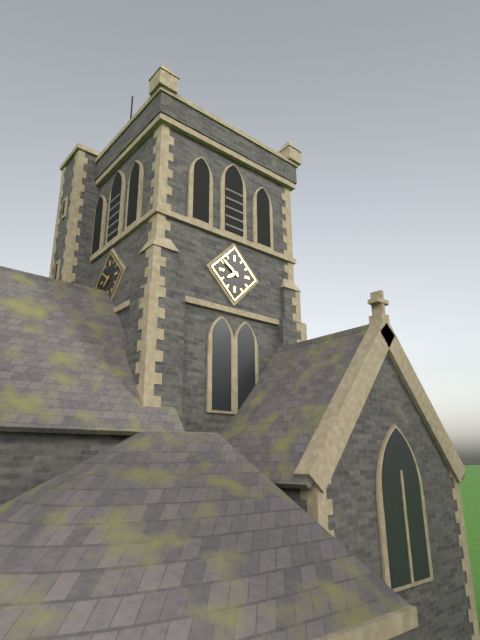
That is 7 h 51 min
